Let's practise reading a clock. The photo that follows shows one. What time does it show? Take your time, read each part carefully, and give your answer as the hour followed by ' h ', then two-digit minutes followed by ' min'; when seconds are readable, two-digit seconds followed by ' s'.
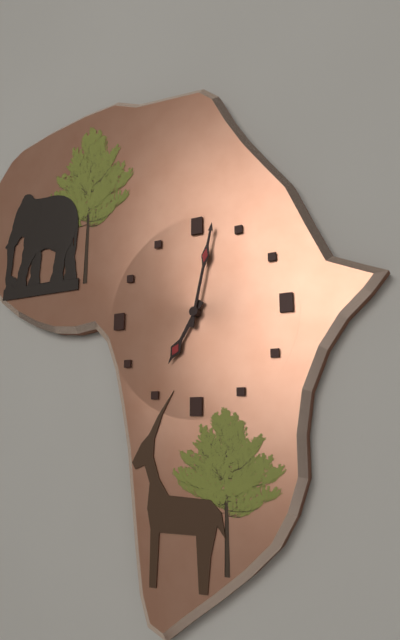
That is 7 h 02 min
